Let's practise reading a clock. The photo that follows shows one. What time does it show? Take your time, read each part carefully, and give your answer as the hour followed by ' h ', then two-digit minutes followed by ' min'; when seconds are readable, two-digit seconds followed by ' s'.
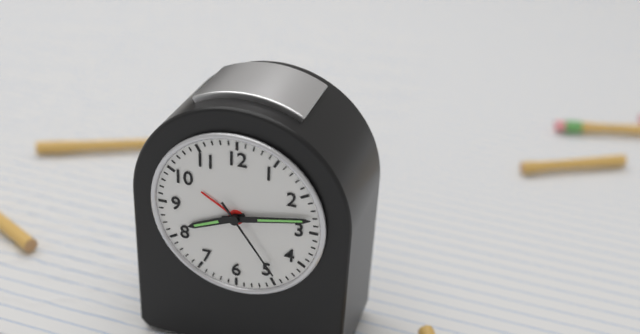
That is 8 h 13 min 24 s
